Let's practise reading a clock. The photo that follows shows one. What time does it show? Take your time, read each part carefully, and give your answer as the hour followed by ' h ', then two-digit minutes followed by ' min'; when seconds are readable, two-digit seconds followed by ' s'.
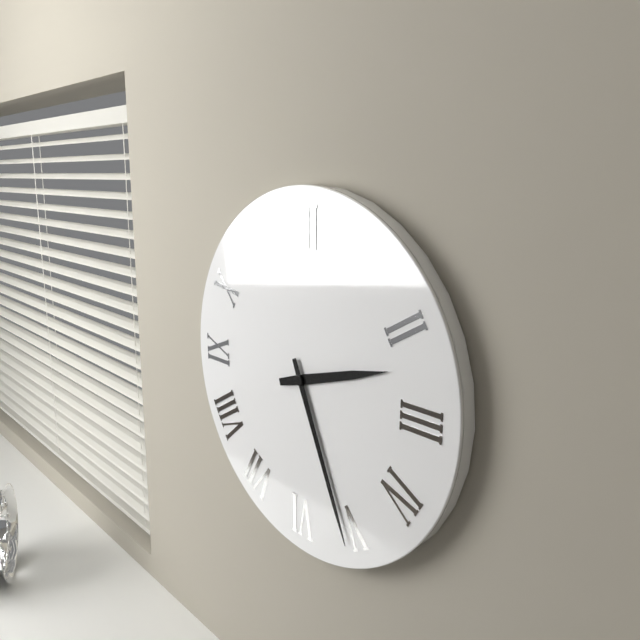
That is 2 h 26 min
